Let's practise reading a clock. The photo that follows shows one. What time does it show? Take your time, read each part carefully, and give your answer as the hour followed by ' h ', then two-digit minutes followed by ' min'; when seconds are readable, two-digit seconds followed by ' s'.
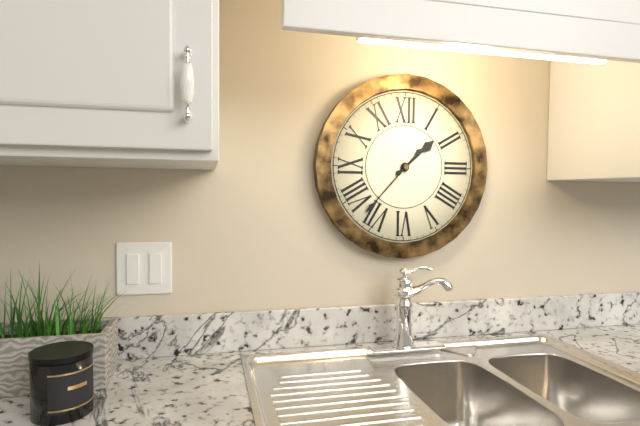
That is 1 h 37 min
